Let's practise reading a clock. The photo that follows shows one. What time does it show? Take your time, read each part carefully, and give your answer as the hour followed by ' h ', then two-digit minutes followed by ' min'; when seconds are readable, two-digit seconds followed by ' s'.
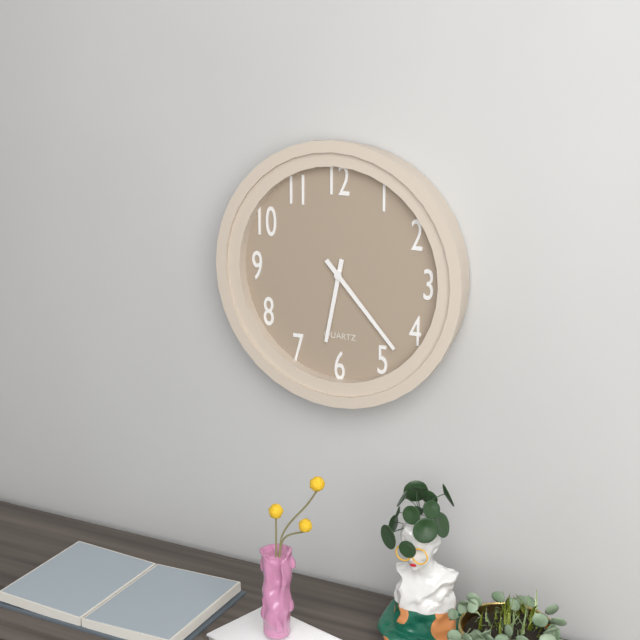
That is 6 h 23 min
